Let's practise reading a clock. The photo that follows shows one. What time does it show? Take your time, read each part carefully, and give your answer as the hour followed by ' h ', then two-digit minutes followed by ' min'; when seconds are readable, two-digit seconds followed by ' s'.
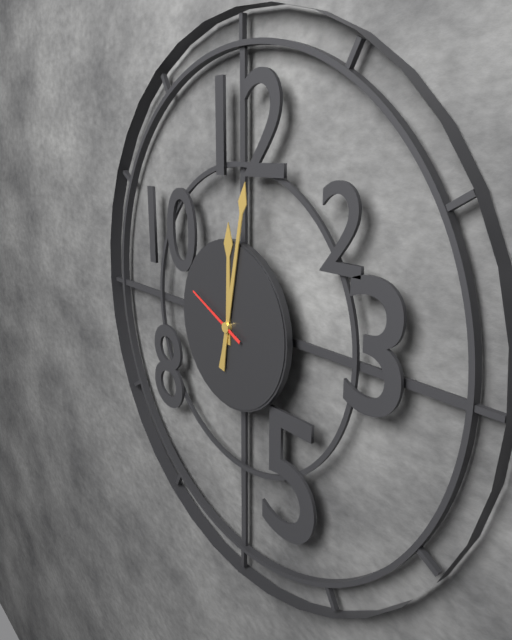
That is 12 h 02 min 49 s
